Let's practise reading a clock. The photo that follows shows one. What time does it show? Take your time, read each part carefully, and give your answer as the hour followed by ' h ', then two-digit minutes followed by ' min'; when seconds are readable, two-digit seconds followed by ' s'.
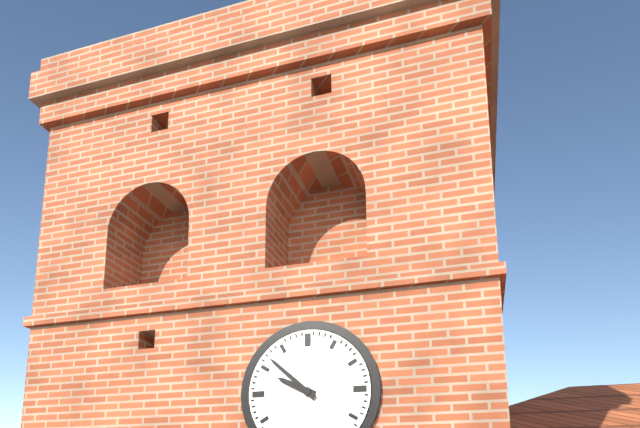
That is 9 h 52 min
